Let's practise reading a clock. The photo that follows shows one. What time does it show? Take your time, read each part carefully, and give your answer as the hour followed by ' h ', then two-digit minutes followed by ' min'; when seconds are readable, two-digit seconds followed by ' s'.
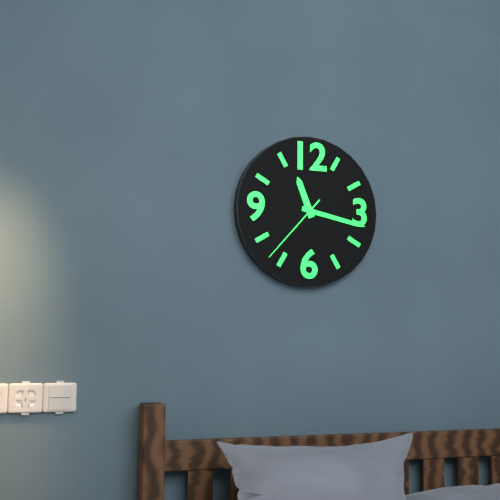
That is 11 h 17 min 37 s
